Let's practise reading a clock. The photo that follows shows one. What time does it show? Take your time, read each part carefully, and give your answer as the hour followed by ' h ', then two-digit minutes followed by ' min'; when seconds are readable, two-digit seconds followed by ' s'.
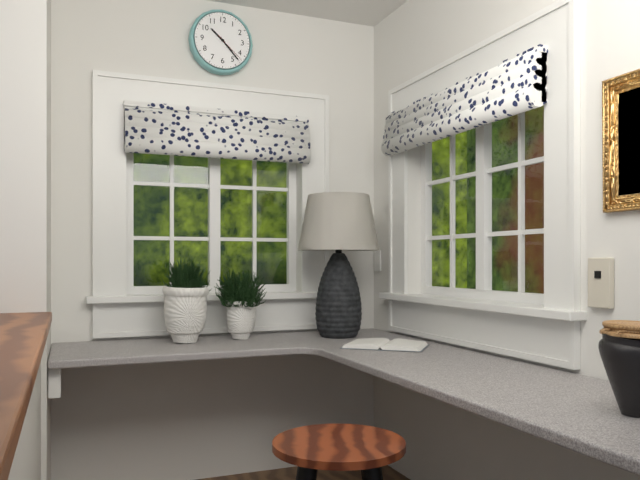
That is 10 h 23 min
